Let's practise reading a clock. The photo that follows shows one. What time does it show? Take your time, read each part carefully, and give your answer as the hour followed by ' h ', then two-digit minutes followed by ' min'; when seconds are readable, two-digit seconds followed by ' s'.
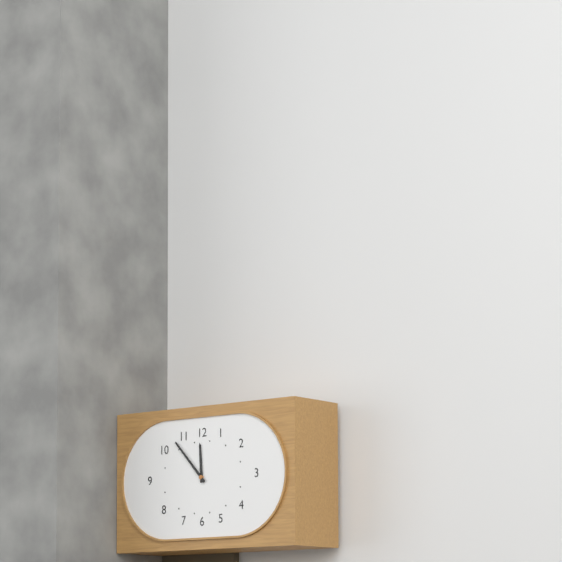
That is 11 h 53 min
